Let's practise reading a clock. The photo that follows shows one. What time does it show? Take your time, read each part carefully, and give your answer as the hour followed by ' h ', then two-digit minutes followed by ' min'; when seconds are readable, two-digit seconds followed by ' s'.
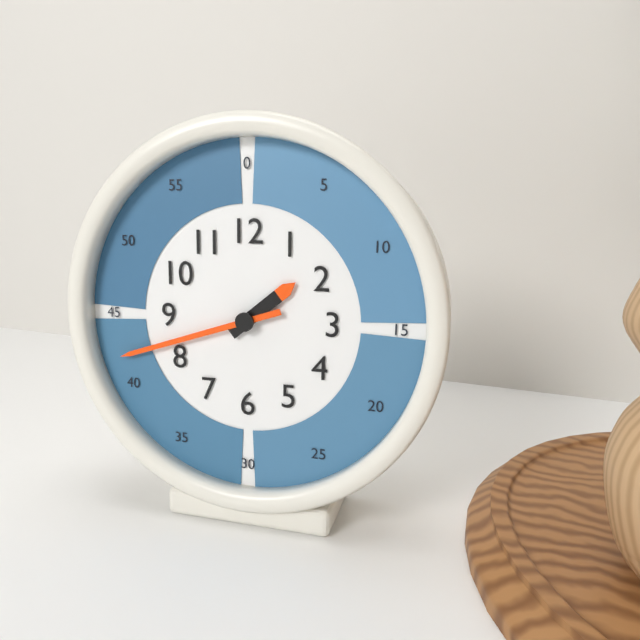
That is 1 h 42 min
